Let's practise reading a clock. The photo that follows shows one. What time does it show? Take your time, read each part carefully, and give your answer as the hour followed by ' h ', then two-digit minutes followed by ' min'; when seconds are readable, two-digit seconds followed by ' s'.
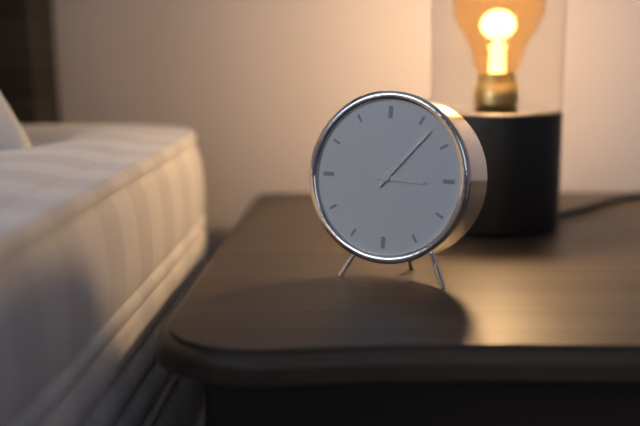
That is 3 h 07 min
